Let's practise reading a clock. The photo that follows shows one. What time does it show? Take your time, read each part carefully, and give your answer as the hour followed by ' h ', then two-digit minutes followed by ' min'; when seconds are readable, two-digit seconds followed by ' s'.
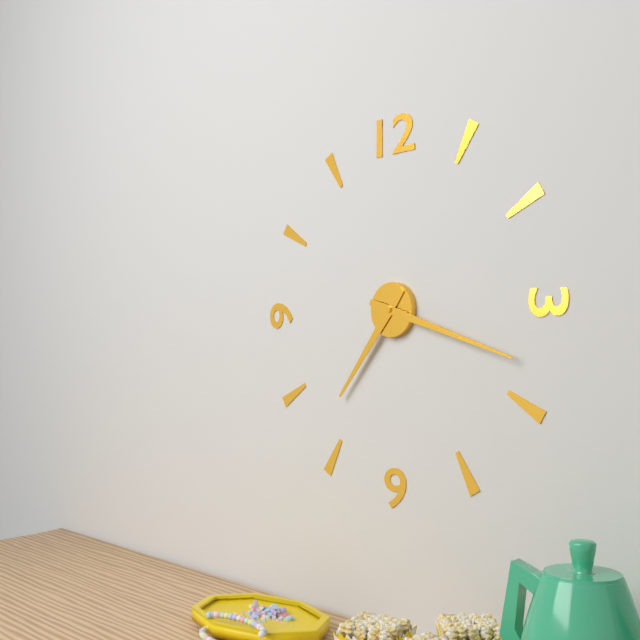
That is 7 h 18 min
